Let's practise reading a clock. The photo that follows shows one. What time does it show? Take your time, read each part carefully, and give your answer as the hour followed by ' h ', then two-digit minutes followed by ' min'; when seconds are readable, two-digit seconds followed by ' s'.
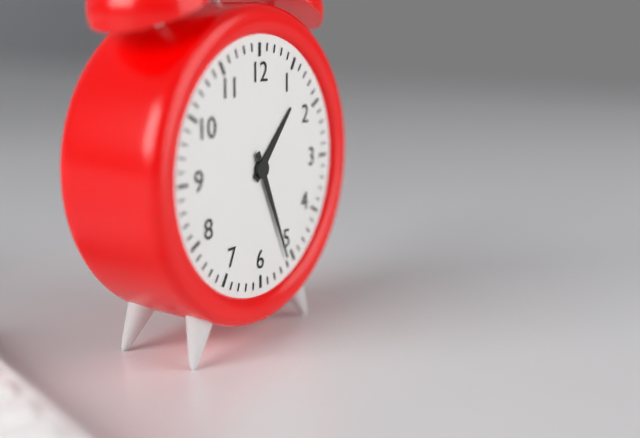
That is 1 h 26 min
